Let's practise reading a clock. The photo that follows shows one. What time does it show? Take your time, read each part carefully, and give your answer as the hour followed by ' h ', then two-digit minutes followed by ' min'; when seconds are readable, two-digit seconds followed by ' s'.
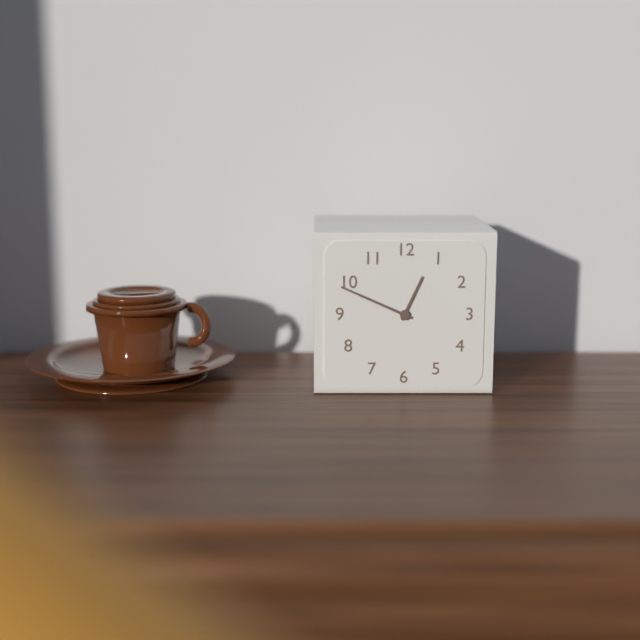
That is 12 h 49 min
